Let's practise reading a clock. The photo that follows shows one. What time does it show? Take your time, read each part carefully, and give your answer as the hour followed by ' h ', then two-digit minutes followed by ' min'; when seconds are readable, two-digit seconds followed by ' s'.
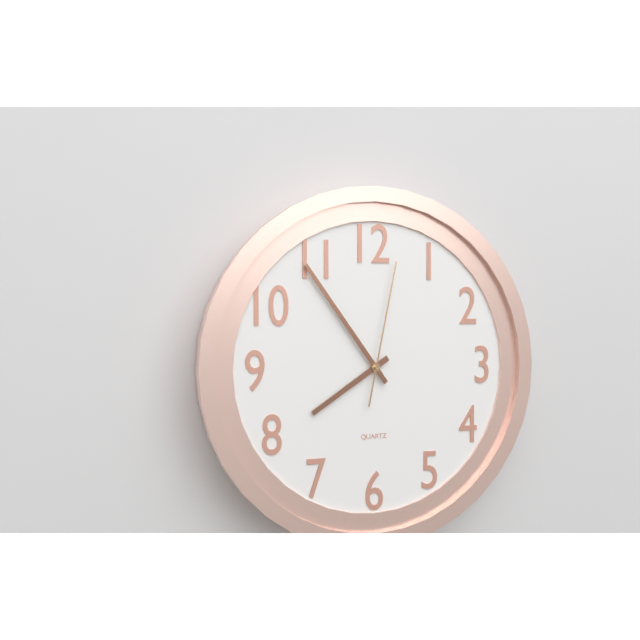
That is 7 h 54 min 02 s
